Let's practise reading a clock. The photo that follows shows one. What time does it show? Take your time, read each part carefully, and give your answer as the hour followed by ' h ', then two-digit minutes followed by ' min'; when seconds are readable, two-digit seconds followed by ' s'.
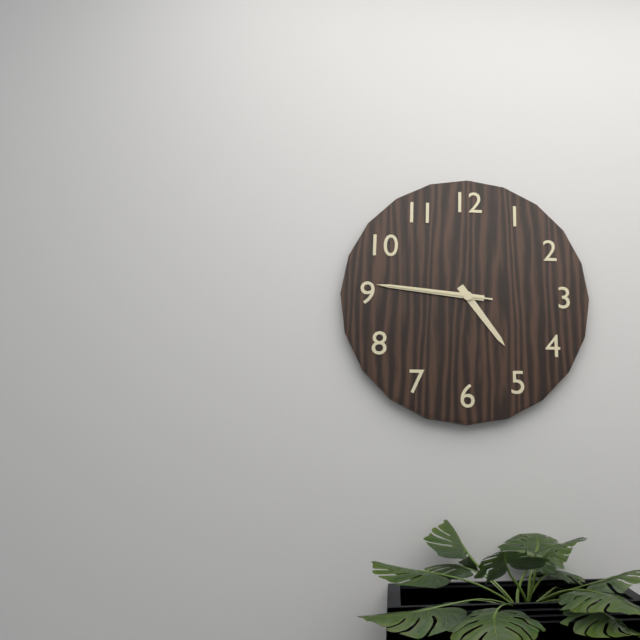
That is 4 h 46 min 46 s
